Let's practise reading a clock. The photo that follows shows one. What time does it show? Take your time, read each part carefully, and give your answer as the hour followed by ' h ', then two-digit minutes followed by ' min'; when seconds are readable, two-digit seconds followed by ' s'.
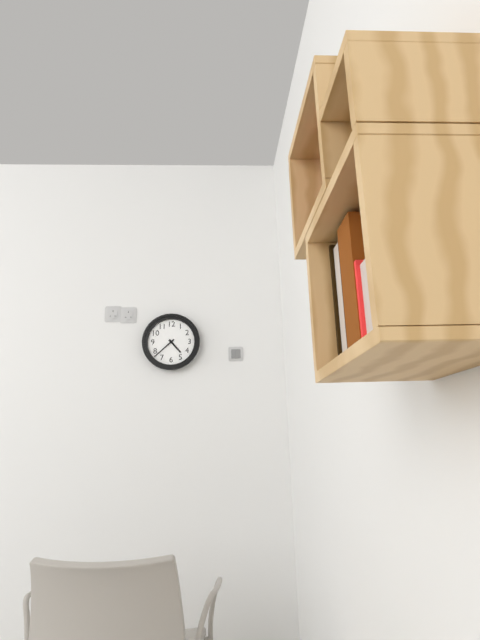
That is 4 h 38 min
